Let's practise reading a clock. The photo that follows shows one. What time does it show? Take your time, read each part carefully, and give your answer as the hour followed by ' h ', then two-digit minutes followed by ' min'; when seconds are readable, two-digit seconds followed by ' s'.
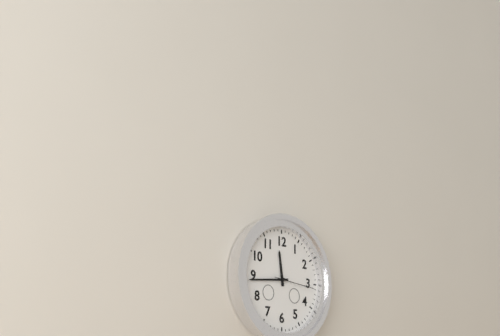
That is 11 h 44 min
